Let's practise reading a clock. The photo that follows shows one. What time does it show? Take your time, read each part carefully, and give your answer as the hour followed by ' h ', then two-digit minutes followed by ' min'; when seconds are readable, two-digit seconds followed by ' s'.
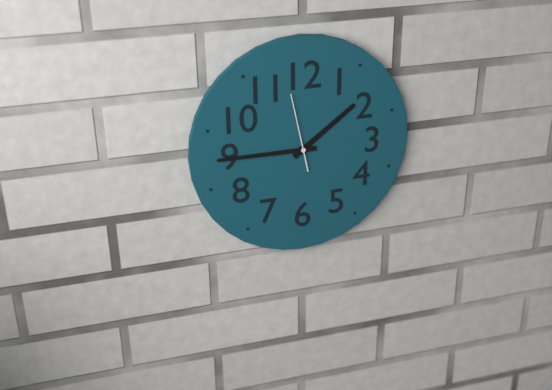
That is 1 h 45 min 58 s
